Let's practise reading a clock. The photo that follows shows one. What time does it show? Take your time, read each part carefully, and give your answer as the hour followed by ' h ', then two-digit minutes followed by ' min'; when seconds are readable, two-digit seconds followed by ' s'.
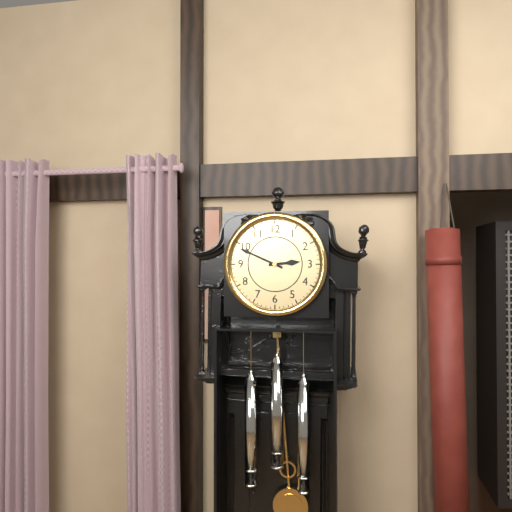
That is 2 h 49 min
